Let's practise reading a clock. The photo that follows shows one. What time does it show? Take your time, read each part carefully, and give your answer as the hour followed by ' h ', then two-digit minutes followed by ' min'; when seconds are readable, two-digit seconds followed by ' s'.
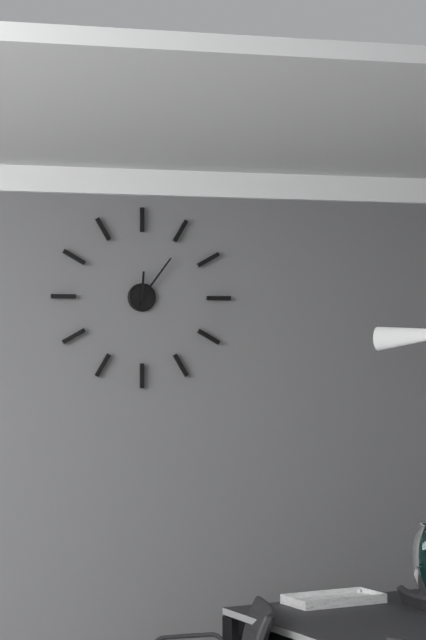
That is 12 h 06 min
